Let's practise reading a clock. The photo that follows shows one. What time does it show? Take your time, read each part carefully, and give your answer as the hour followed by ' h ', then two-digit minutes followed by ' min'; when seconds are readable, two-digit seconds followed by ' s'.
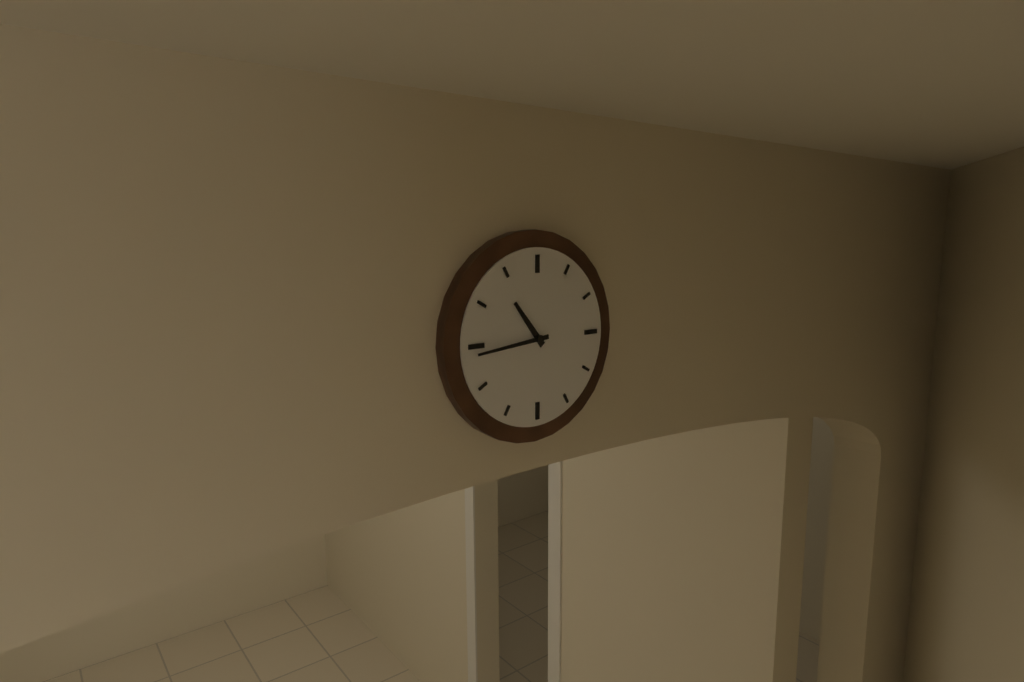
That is 10 h 44 min
